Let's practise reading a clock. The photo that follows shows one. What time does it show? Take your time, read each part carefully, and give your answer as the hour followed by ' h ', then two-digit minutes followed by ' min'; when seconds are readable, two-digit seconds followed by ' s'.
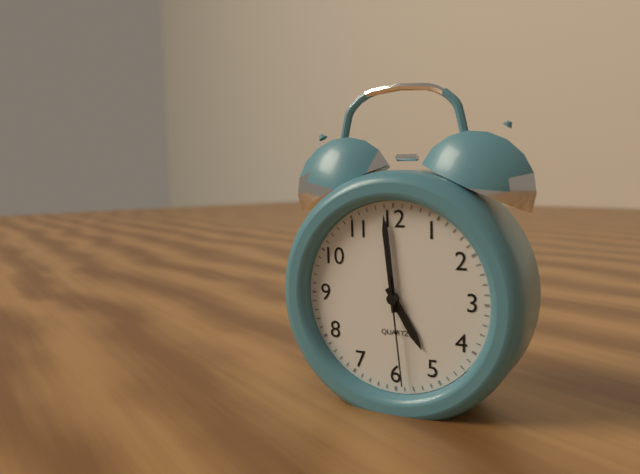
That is 4 h 59 min 29 s
